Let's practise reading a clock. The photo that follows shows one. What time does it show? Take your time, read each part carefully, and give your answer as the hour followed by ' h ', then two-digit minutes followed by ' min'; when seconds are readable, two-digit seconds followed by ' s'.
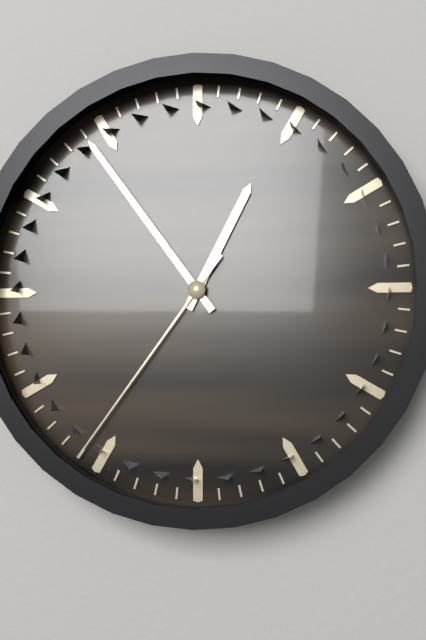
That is 12 h 54 min 36 s
